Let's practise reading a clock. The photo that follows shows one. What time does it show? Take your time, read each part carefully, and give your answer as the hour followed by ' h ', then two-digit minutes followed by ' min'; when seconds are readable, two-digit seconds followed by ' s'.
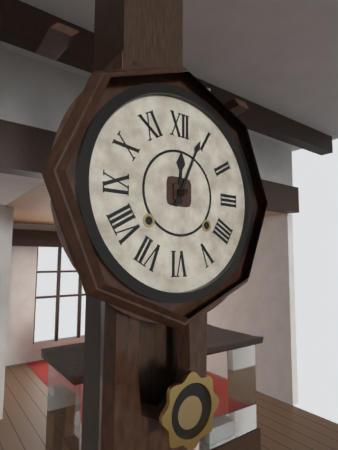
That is 12 h 04 min
